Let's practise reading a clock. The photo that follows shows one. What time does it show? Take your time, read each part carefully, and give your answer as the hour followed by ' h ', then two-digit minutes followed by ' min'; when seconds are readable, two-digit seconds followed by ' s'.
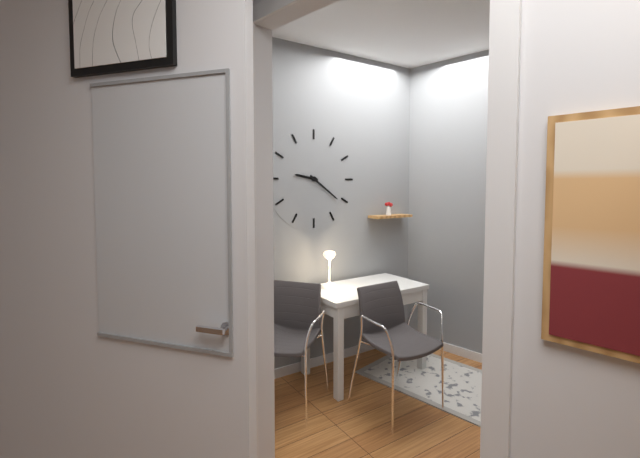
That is 9 h 21 min
